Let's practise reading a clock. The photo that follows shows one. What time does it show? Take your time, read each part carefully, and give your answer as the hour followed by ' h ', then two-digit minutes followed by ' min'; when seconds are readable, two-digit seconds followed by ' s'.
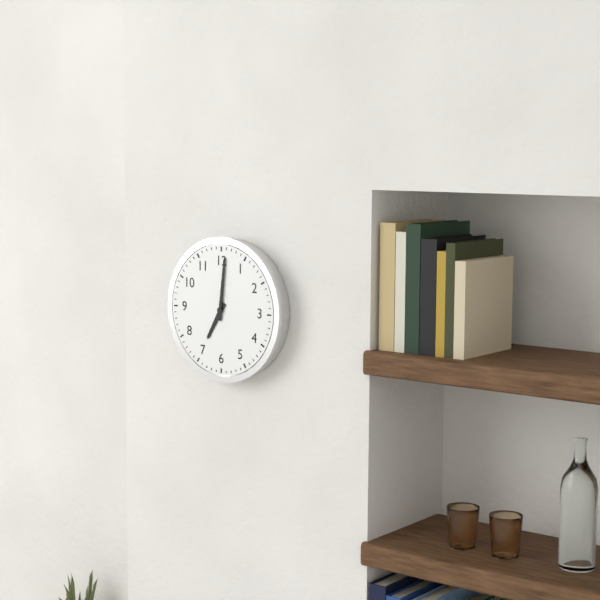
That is 7 h 01 min
